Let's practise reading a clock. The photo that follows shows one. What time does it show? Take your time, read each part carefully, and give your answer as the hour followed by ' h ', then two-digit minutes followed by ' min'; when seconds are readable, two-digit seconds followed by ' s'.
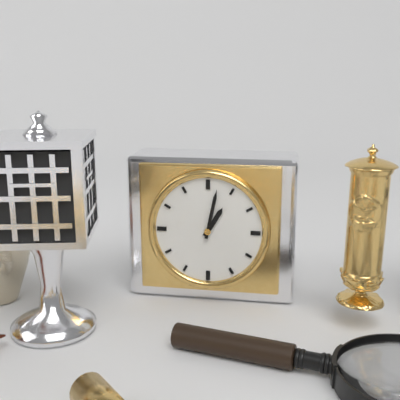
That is 1 h 02 min
